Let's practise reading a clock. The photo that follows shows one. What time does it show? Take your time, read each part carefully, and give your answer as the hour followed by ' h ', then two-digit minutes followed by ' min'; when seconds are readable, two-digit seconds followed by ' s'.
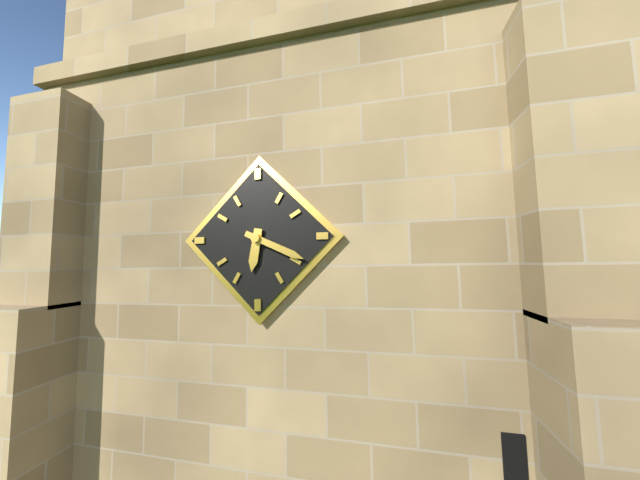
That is 6 h 19 min
